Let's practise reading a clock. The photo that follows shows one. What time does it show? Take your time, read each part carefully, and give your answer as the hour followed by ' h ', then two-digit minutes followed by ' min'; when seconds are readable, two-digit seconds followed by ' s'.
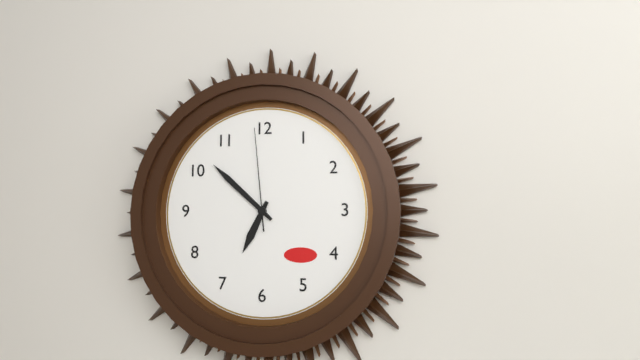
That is 6 h 52 min 59 s
